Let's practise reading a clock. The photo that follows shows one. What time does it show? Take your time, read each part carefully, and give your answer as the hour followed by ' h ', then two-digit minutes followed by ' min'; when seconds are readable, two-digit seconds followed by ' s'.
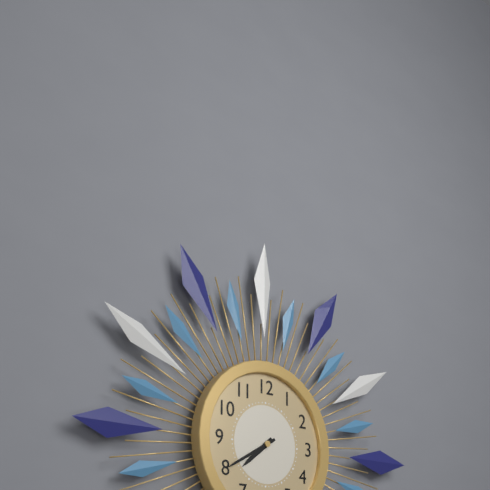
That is 7 h 40 min
